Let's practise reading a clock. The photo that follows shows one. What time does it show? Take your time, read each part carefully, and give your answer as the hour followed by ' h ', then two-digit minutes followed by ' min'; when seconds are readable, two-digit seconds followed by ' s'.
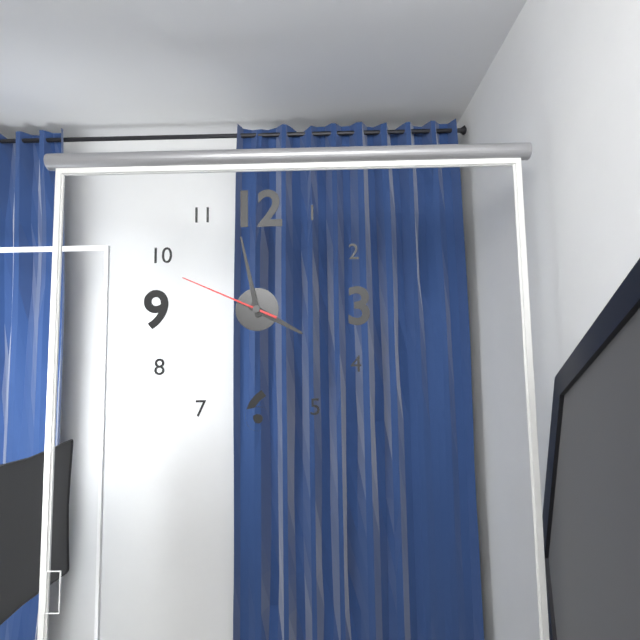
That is 3 h 58 min 49 s
